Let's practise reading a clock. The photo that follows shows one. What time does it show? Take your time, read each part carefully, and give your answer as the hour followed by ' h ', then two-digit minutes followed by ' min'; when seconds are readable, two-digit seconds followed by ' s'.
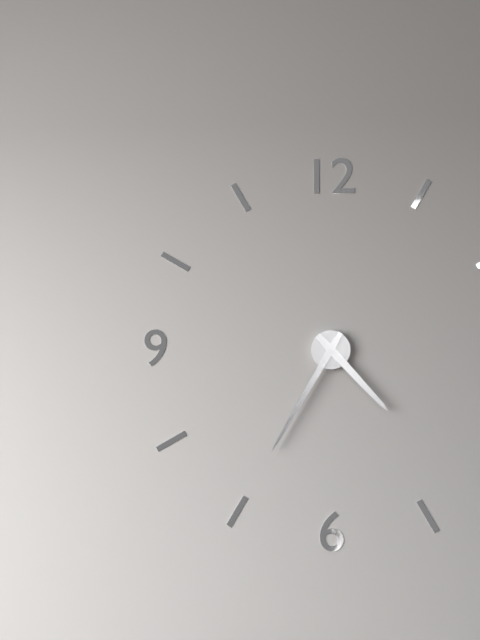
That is 4 h 35 min
